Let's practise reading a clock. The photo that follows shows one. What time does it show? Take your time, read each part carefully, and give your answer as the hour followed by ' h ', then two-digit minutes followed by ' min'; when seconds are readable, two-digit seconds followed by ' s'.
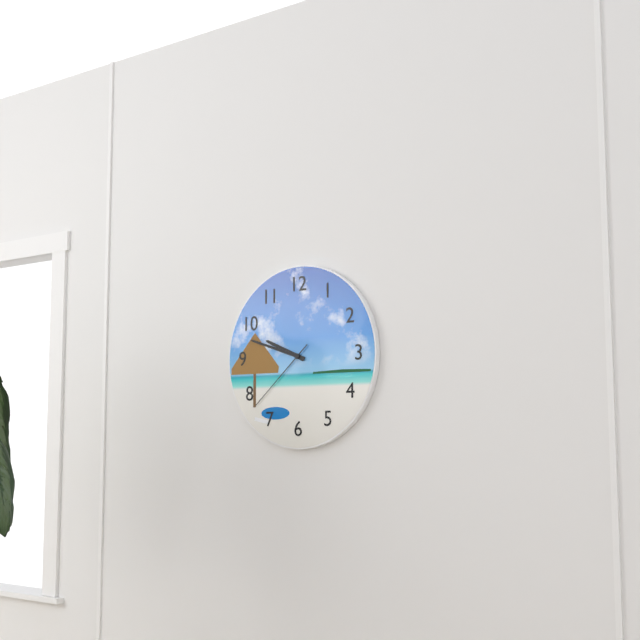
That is 9 h 48 min 38 s
